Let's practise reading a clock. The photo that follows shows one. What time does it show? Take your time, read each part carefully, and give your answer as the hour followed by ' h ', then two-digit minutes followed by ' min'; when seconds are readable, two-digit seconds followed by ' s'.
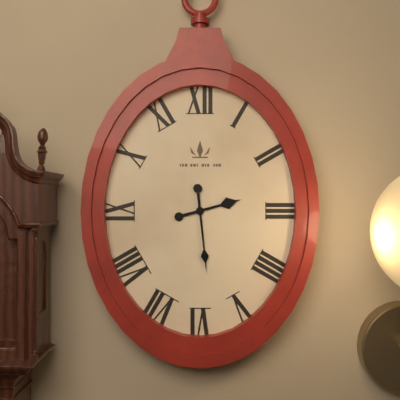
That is 2 h 29 min
